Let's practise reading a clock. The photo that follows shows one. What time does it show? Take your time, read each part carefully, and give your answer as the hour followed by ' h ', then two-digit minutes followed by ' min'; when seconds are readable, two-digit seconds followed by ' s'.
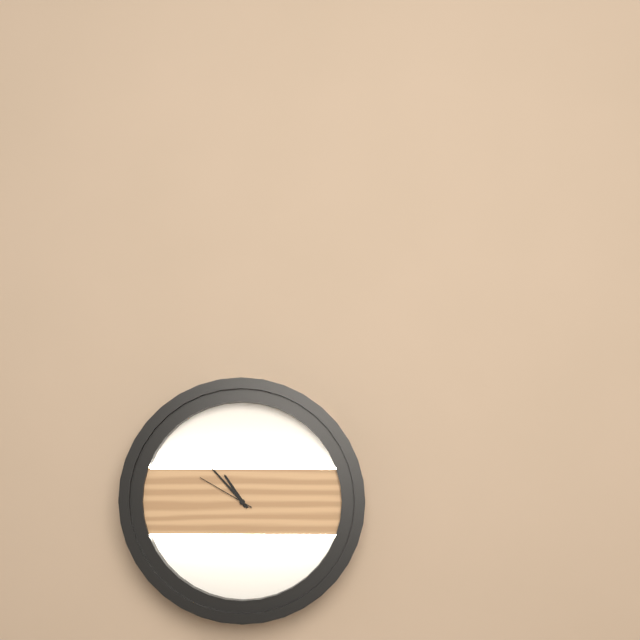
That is 10 h 53 min 50 s
